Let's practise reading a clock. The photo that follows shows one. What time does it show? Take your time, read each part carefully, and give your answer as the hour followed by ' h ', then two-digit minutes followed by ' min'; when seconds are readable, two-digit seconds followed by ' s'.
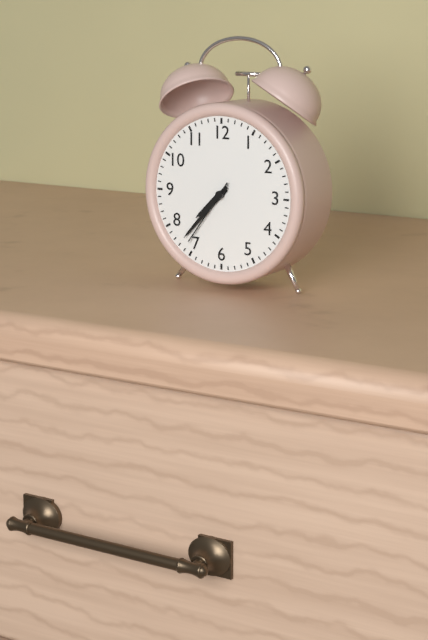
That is 7 h 37 min 36 s
